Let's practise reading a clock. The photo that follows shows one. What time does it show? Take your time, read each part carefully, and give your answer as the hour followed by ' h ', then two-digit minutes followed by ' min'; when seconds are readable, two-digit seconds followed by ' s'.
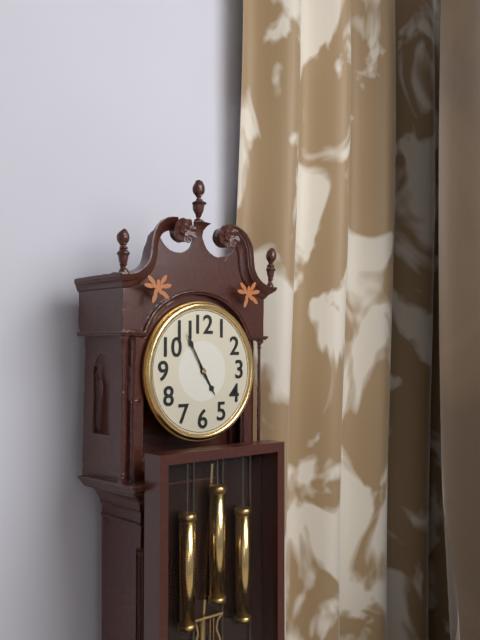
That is 4 h 55 min
